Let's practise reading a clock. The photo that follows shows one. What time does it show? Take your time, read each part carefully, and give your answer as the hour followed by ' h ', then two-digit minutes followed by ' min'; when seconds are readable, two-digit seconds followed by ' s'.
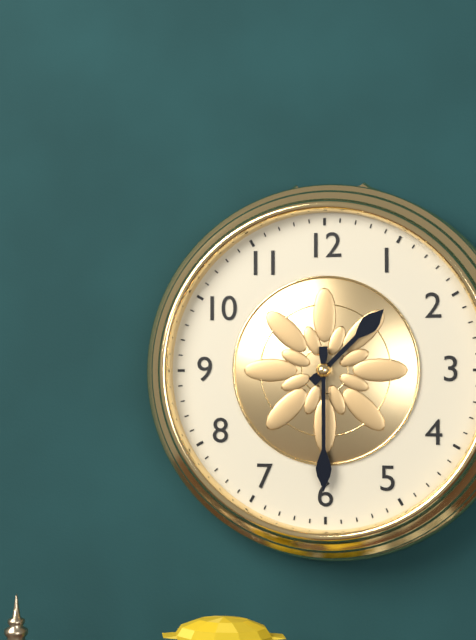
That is 1 h 30 min
